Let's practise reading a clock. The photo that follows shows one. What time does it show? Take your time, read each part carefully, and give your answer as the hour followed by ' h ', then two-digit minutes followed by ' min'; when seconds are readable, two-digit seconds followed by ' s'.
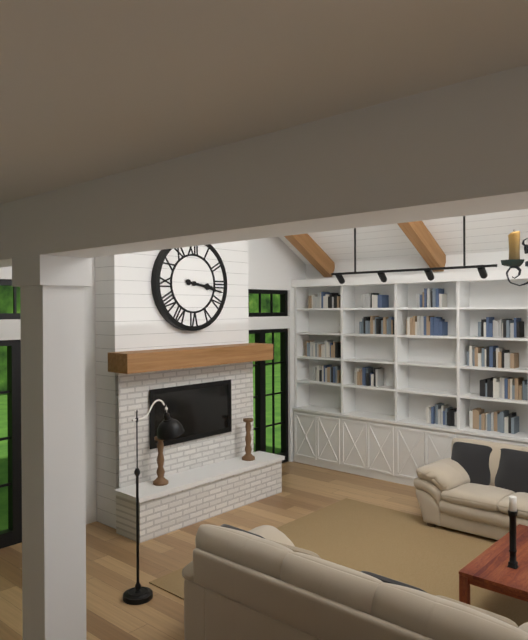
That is 3 h 17 min
